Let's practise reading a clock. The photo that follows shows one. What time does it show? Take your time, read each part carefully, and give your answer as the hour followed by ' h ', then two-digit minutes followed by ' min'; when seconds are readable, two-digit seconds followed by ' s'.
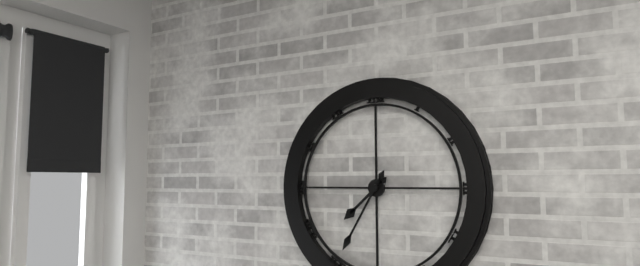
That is 7 h 35 min
